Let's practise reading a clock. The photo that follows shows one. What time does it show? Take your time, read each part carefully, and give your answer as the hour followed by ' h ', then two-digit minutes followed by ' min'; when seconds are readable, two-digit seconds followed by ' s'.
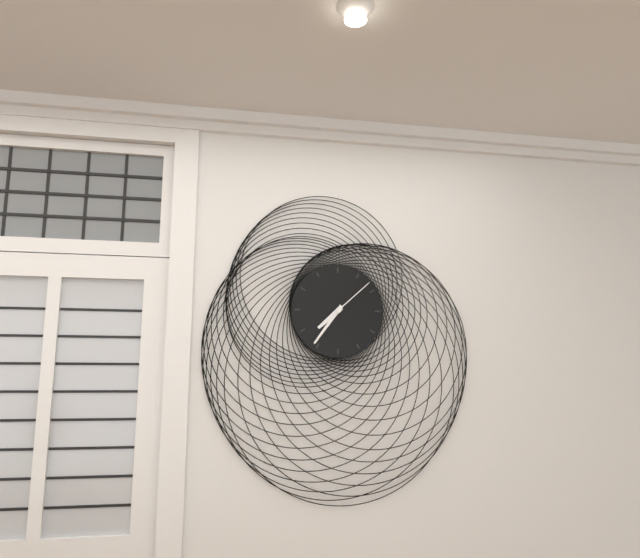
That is 7 h 36 min 08 s
